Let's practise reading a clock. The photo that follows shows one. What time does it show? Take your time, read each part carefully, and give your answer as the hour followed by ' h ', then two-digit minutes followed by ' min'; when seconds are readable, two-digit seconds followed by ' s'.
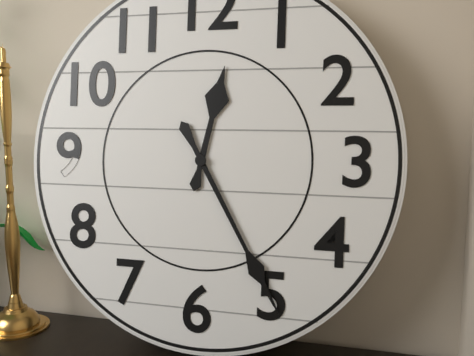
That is 12 h 25 min
